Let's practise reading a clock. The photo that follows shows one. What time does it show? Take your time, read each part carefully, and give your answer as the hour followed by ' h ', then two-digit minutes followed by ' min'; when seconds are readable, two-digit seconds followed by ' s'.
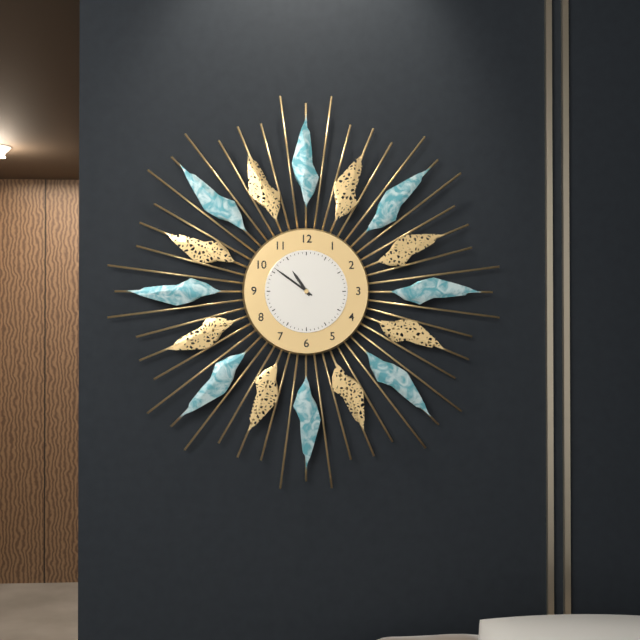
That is 10 h 51 min
